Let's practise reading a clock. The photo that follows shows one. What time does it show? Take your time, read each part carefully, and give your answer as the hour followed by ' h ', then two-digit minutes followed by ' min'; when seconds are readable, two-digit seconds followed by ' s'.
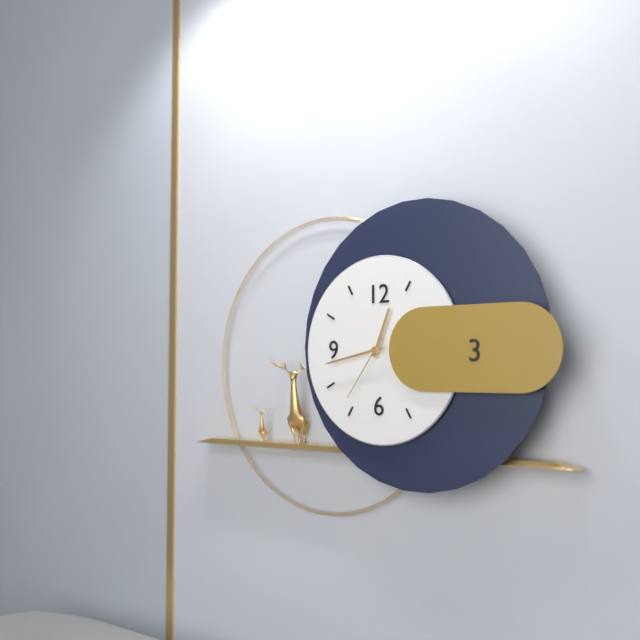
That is 12 h 43 min 36 s
